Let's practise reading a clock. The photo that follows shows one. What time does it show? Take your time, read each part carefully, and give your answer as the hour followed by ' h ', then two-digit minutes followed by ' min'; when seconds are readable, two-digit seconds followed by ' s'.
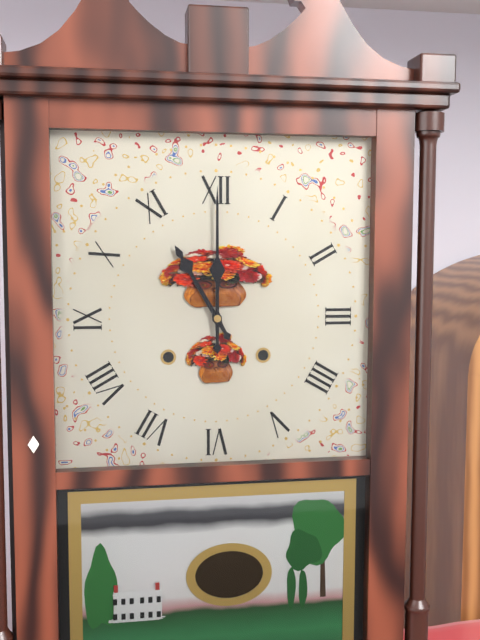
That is 11 h 00 min
